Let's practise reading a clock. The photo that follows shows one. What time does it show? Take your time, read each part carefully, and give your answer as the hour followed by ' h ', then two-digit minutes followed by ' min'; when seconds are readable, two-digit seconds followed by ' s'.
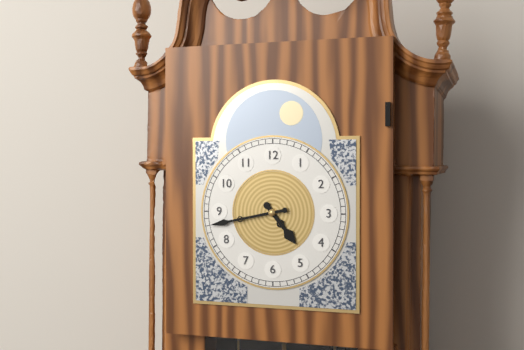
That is 4 h 43 min
